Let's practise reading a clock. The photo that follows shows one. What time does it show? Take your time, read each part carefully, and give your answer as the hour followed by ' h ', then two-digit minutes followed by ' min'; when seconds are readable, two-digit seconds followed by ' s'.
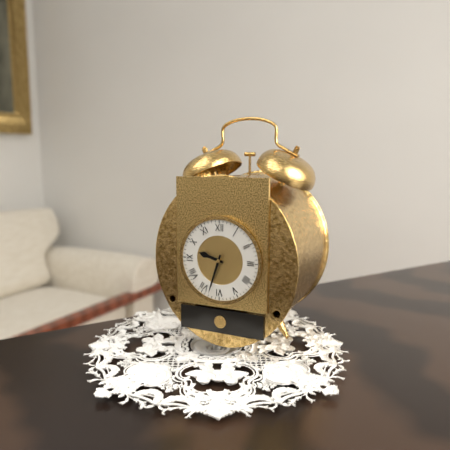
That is 9 h 33 min
